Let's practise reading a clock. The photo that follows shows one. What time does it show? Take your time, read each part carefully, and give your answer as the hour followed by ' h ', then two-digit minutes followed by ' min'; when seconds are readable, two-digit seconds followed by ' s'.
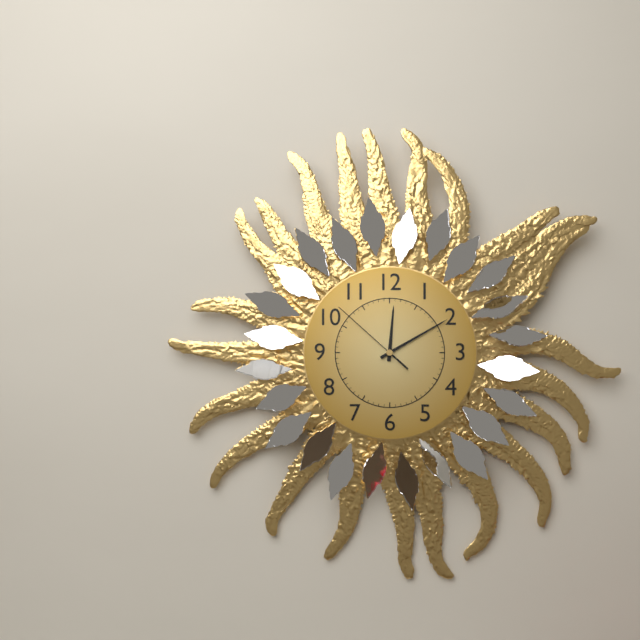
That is 12 h 10 min 52 s
